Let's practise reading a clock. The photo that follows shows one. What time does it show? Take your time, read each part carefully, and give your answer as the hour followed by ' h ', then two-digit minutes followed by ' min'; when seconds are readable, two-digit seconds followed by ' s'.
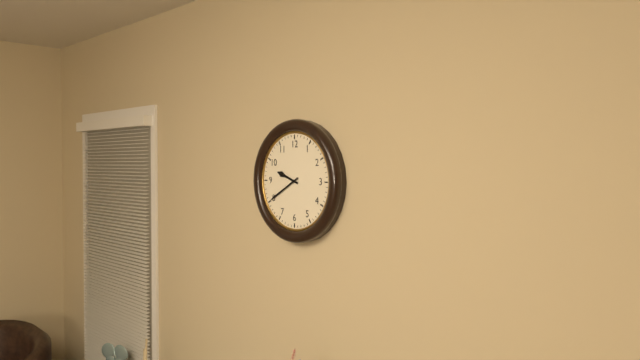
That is 9 h 40 min
